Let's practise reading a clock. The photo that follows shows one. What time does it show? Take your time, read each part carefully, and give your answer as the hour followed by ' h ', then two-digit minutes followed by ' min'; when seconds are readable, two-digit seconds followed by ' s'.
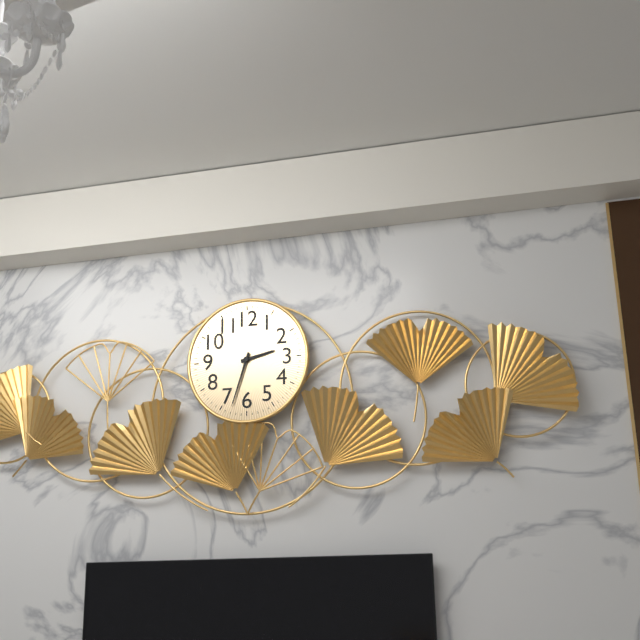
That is 2 h 33 min
